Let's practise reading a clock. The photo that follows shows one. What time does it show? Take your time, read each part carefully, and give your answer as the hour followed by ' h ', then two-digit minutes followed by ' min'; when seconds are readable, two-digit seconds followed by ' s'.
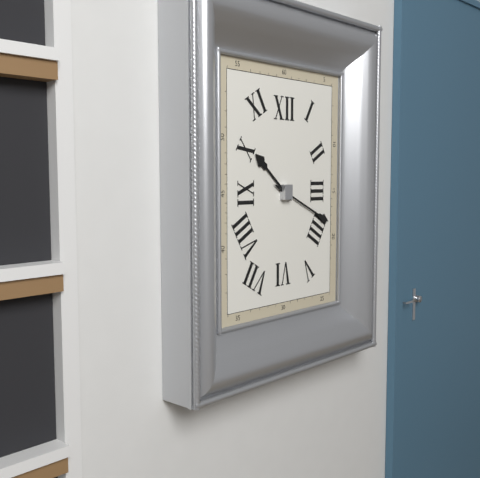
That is 10 h 19 min
